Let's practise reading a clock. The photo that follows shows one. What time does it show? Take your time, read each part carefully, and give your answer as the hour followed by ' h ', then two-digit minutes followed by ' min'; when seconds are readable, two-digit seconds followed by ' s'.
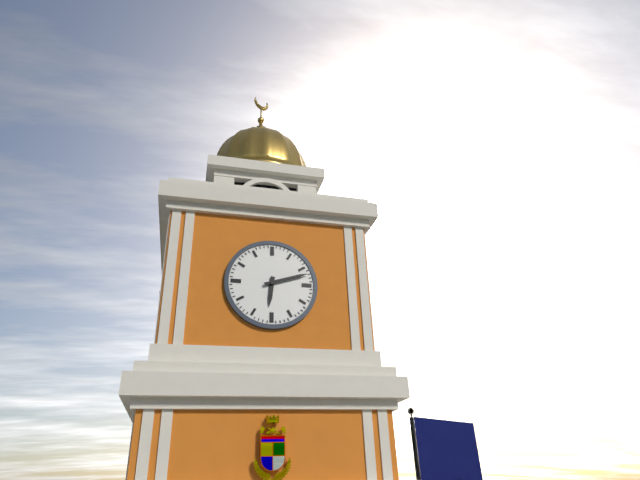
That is 6 h 12 min
